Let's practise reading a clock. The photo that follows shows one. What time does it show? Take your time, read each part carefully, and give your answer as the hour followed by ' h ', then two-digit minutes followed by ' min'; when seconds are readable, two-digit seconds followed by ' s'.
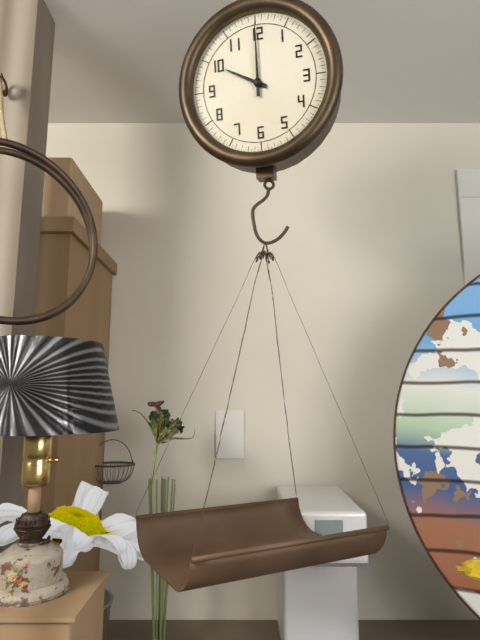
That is 10 h 00 min
